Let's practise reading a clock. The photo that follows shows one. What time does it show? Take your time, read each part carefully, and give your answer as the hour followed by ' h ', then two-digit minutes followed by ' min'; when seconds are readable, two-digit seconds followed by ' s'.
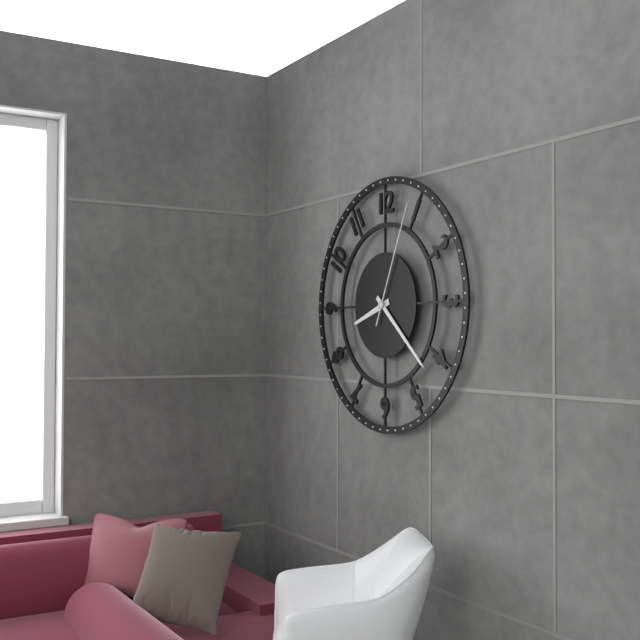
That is 8 h 22 min 04 s
